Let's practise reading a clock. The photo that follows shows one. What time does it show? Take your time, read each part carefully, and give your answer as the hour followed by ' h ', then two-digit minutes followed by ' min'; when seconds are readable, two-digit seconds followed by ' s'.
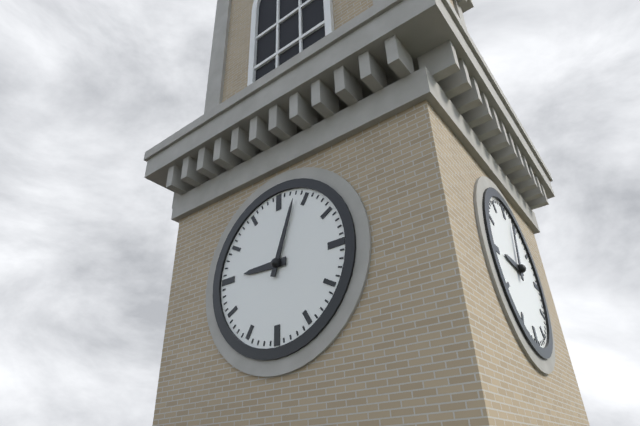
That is 9 h 03 min
